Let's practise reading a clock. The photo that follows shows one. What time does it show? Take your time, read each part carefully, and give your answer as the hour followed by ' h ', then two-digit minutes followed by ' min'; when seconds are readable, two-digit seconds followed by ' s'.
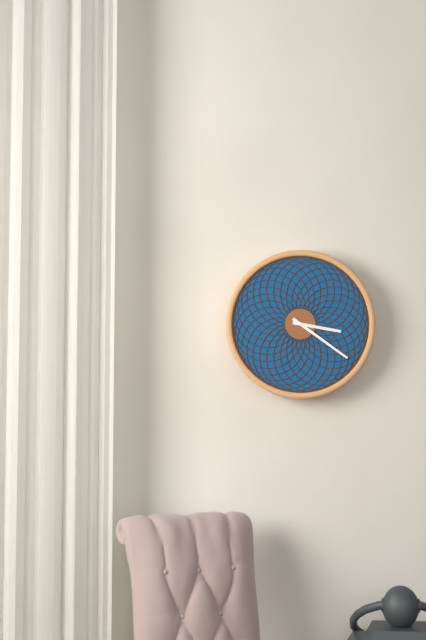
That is 3 h 21 min
